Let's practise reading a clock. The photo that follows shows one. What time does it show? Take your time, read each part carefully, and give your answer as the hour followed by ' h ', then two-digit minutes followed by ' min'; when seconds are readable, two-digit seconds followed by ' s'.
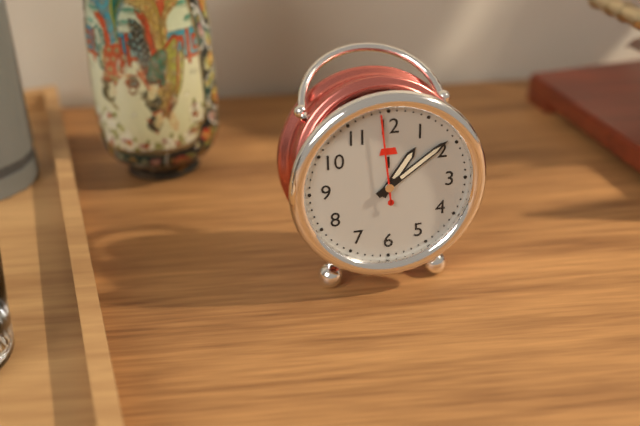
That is 1 h 09 min 59 s
